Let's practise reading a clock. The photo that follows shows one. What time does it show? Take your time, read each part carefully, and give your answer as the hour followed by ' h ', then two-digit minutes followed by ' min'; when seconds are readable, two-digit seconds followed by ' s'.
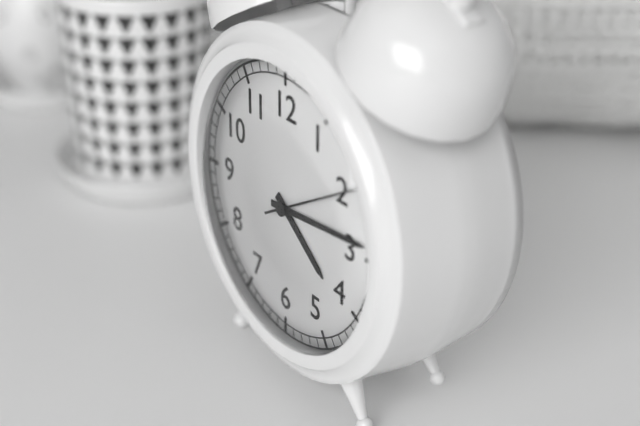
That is 4 h 14 min 10 s
